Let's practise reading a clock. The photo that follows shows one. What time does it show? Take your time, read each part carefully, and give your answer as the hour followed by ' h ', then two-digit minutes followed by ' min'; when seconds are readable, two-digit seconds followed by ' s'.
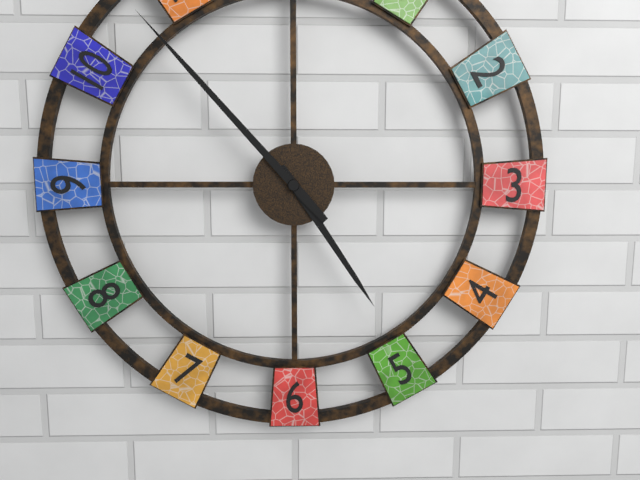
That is 4 h 53 min
